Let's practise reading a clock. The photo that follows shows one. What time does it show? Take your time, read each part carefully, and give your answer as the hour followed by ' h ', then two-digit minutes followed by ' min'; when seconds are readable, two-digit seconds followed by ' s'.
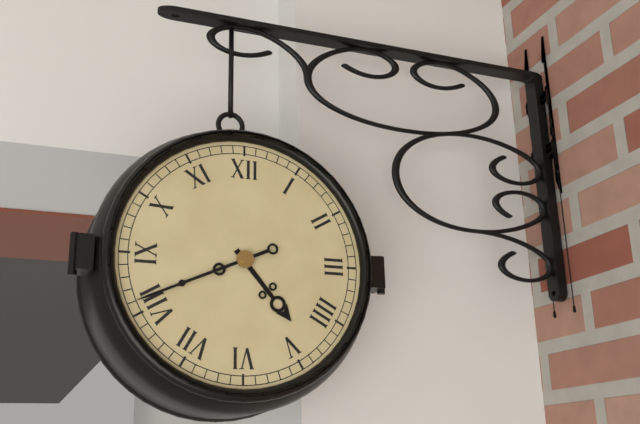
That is 4 h 41 min
